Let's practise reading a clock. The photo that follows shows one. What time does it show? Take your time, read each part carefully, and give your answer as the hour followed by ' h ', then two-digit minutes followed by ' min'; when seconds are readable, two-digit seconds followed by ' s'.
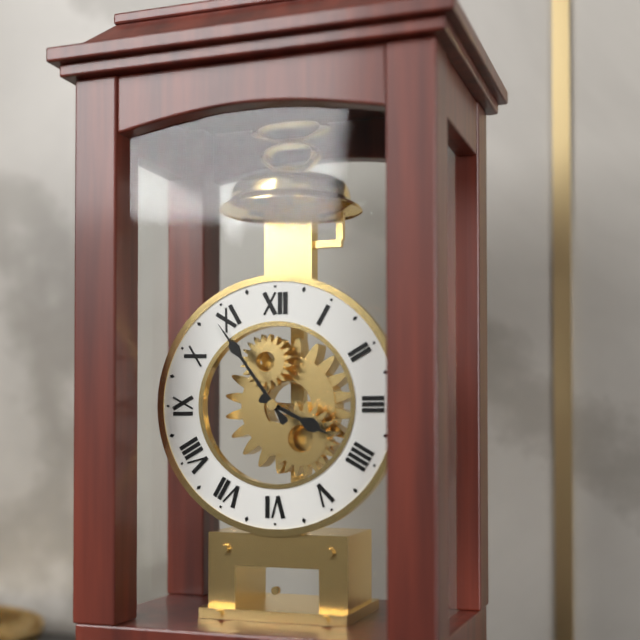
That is 3 h 54 min
